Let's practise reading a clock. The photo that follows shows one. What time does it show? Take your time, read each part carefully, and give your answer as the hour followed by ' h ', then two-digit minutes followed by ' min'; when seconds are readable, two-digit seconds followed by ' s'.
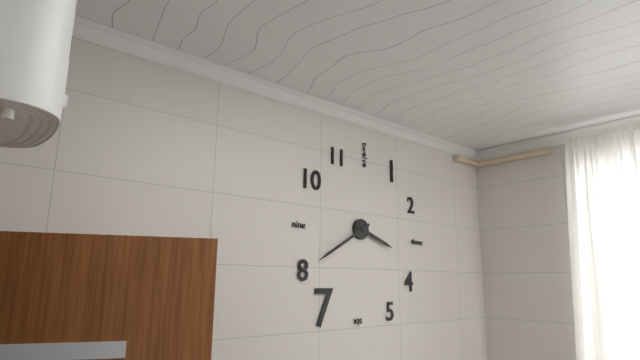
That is 3 h 40 min
